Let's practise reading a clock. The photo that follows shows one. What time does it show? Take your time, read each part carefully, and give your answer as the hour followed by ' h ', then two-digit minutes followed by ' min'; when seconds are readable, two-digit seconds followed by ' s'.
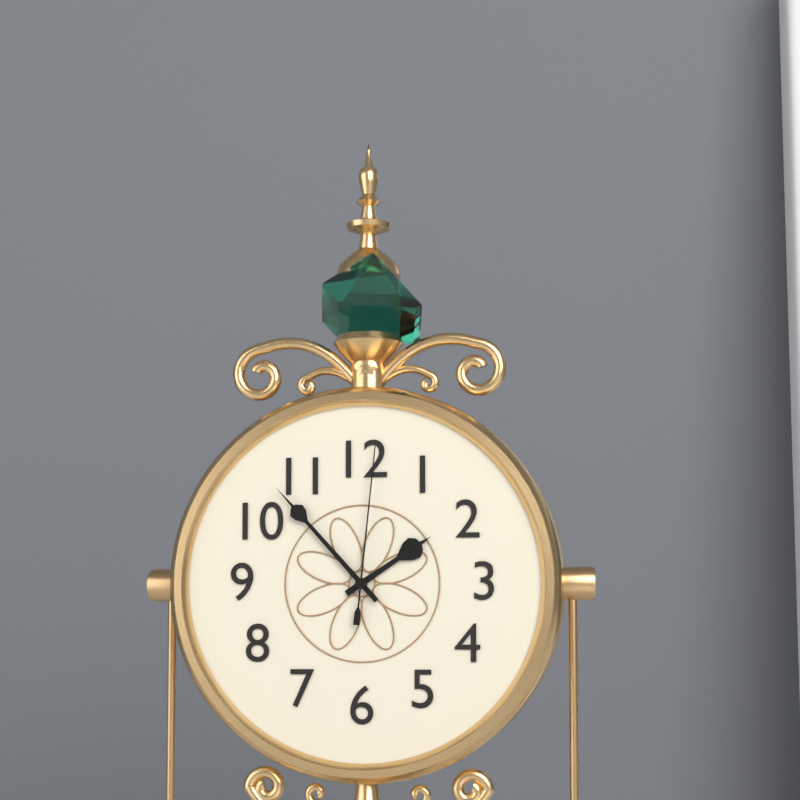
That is 1 h 53 min 01 s
